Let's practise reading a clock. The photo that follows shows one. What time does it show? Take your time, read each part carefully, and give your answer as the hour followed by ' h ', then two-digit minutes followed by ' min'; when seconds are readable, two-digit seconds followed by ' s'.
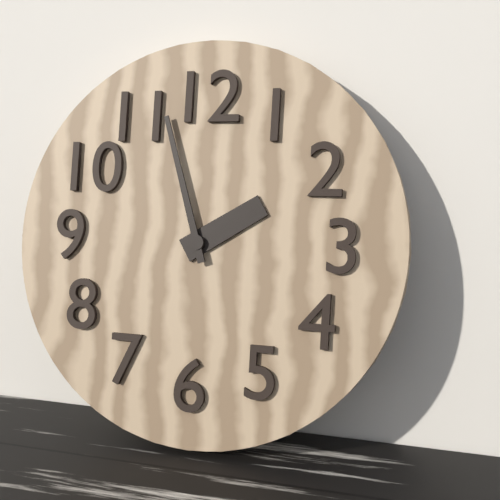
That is 1 h 57 min
